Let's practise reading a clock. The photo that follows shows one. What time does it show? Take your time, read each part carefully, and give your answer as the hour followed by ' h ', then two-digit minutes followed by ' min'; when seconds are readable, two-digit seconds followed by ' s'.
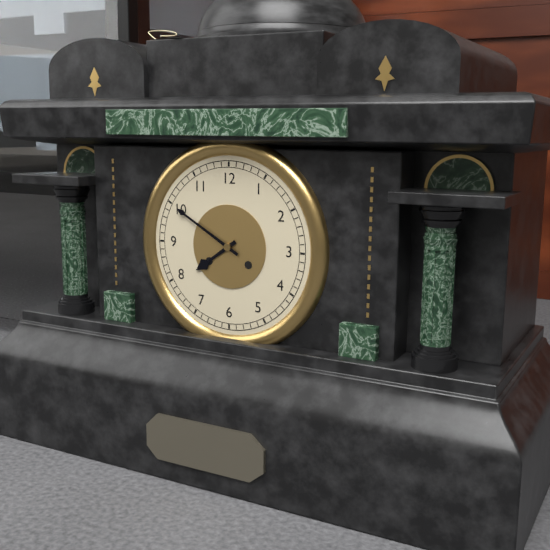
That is 7 h 50 min
